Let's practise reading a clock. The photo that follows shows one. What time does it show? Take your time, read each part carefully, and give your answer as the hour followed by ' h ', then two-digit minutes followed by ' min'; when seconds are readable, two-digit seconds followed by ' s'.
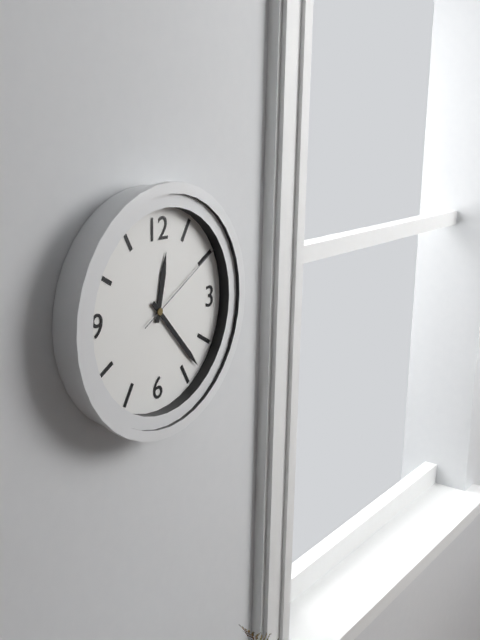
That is 12 h 23 min 10 s
